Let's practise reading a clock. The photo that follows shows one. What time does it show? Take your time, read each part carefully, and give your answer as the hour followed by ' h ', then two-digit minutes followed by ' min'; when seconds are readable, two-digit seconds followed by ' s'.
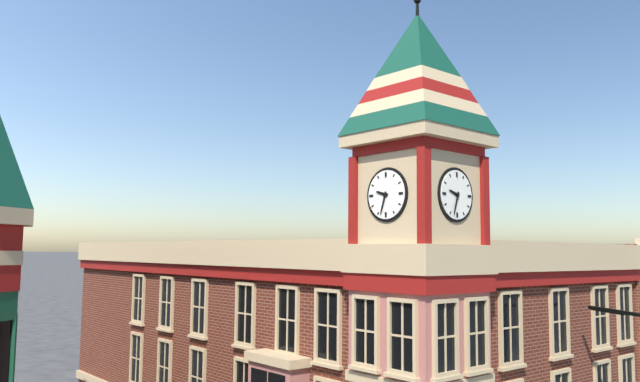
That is 9 h 33 min
